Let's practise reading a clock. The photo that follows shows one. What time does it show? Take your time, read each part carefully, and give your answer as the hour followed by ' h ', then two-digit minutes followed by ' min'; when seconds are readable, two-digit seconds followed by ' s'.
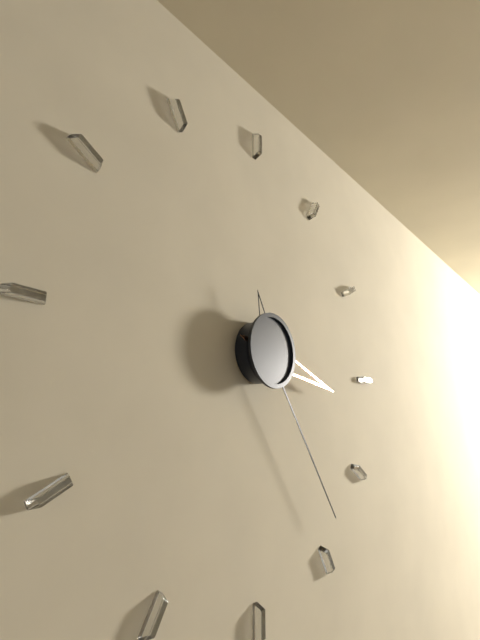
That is 3 h 24 min 57 s
